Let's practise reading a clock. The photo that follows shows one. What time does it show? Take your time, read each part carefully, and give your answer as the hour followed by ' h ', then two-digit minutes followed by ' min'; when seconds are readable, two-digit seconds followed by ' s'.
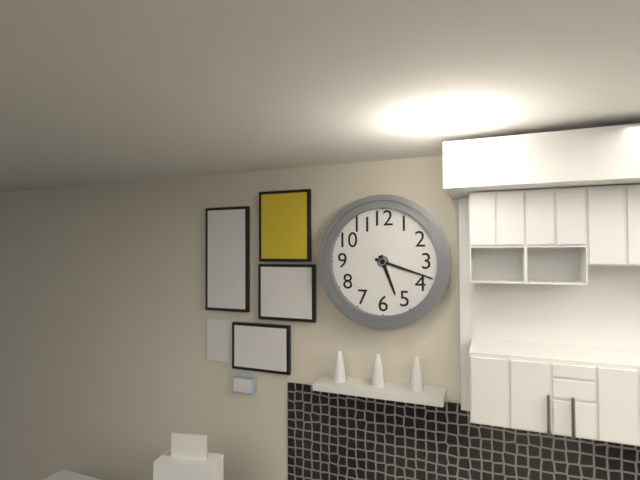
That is 5 h 18 min
